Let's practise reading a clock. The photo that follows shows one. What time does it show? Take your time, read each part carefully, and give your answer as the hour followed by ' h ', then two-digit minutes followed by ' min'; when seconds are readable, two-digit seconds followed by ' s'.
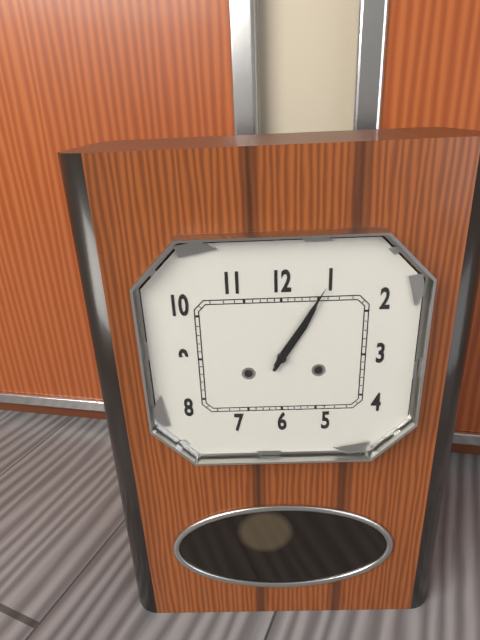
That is 1 h 05 min
